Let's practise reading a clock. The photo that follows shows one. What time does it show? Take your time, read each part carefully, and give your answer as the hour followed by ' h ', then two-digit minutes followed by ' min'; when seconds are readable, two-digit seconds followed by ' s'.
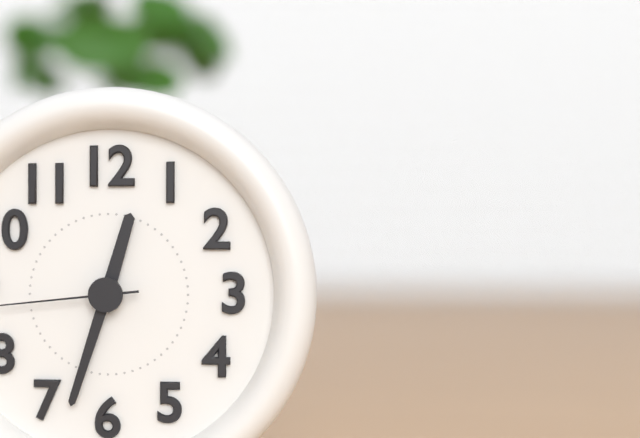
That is 12 h 33 min
